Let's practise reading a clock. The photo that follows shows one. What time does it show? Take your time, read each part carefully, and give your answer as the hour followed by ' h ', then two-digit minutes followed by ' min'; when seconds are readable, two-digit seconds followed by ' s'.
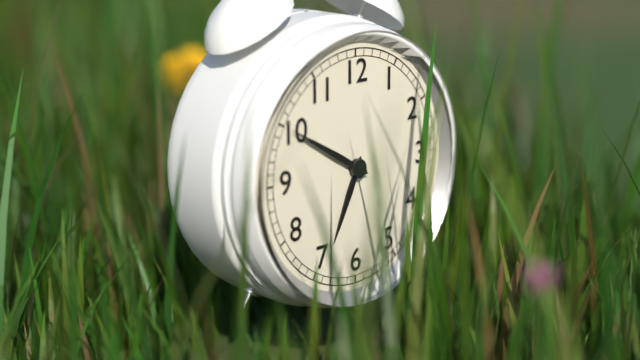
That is 6 h 50 min
